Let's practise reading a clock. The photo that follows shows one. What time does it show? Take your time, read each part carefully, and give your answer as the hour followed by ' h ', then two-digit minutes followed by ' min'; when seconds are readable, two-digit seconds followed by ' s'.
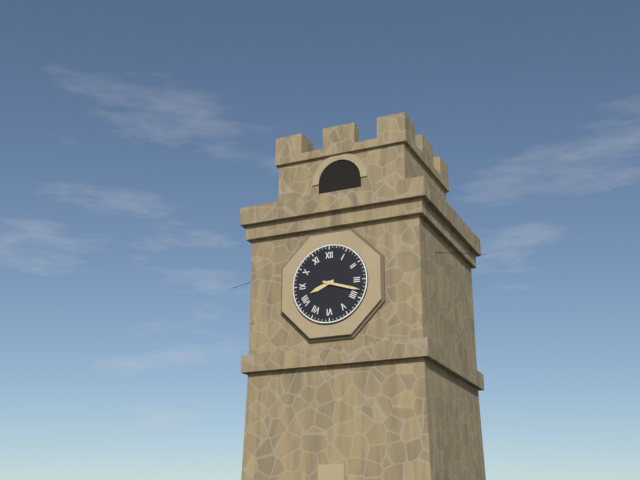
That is 8 h 18 min
